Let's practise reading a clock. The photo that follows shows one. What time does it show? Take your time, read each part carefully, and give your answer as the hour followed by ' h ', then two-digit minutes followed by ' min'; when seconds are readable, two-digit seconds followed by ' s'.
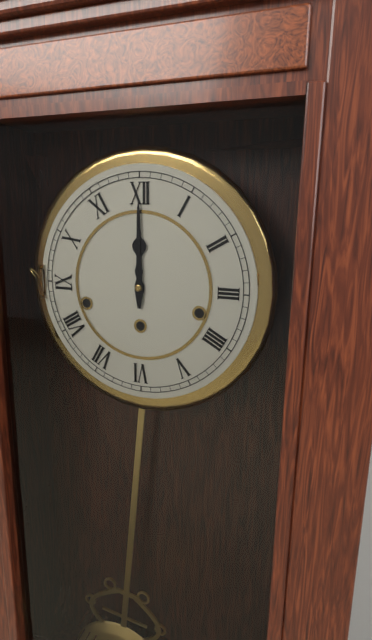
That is 12 h 00 min
